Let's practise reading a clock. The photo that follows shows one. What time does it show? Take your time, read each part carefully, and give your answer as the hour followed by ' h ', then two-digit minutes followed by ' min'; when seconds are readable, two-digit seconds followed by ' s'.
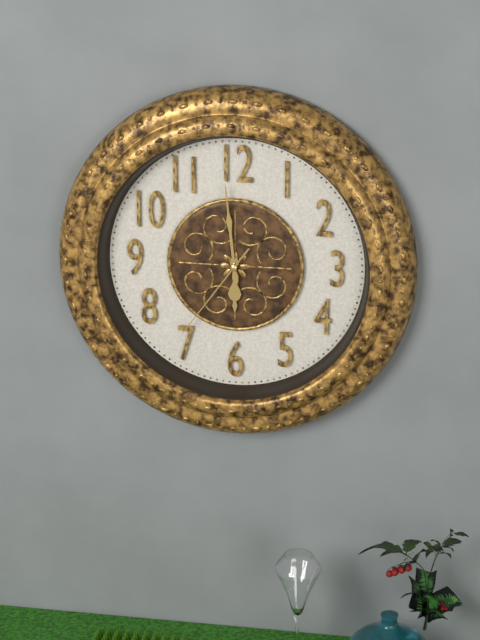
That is 5 h 59 min 36 s
